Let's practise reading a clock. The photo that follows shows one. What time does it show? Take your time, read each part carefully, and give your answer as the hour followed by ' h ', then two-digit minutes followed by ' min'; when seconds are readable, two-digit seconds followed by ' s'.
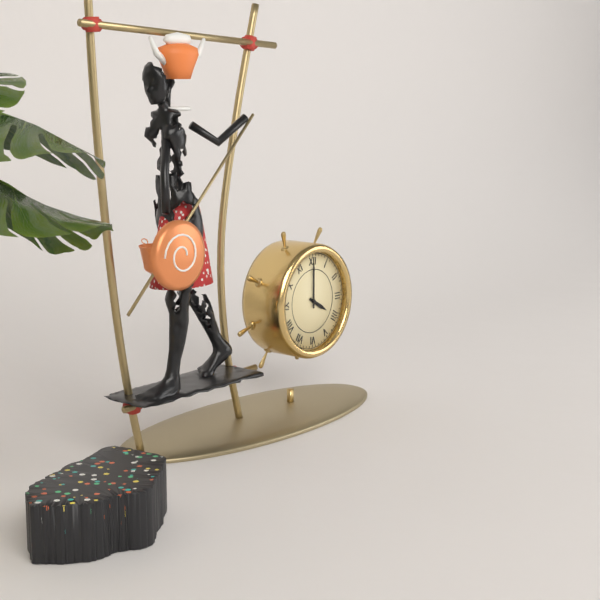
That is 4 h 00 min
